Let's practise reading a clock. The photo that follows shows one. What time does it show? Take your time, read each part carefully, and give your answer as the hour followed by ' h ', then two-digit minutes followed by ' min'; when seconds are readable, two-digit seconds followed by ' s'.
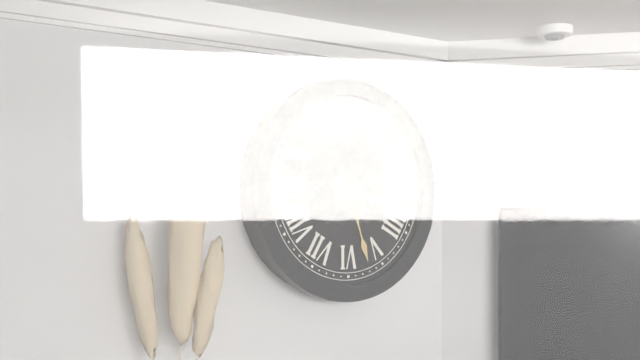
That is 3 h 27 min
